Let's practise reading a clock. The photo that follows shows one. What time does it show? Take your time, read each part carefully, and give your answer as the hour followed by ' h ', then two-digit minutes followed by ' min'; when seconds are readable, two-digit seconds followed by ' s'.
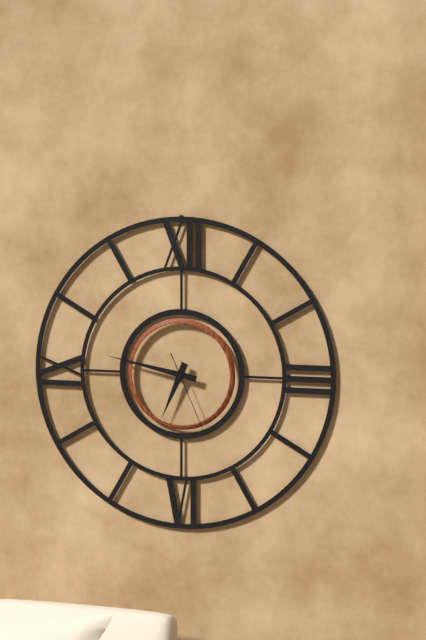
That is 6 h 47 min 26 s
